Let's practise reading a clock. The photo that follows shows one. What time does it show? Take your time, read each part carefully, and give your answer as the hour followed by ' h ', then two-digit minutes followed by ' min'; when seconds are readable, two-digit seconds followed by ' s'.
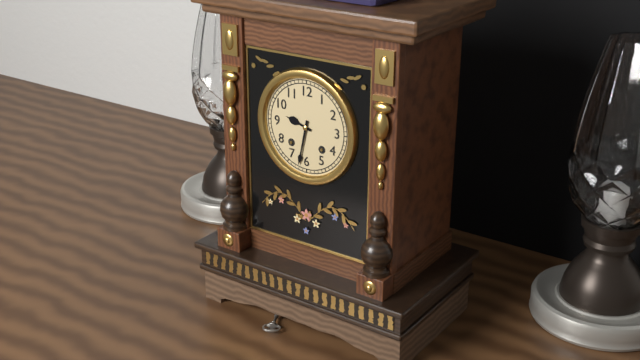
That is 9 h 32 min
